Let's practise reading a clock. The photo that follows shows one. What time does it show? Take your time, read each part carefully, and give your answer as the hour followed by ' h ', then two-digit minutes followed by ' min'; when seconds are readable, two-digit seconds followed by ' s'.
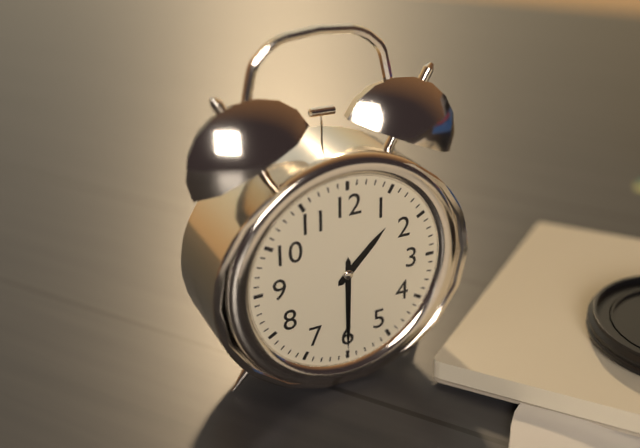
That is 1 h 30 min
